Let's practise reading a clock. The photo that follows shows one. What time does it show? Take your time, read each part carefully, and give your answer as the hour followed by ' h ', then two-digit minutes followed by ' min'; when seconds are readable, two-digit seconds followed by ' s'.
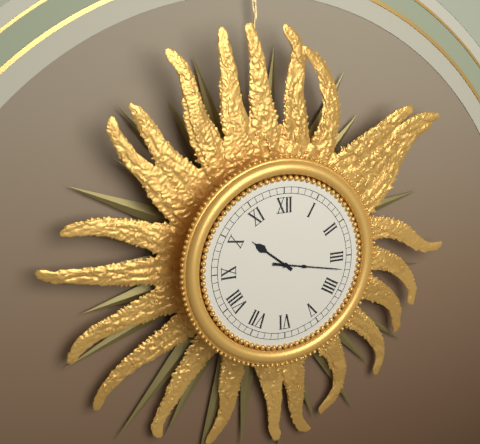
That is 10 h 17 min
